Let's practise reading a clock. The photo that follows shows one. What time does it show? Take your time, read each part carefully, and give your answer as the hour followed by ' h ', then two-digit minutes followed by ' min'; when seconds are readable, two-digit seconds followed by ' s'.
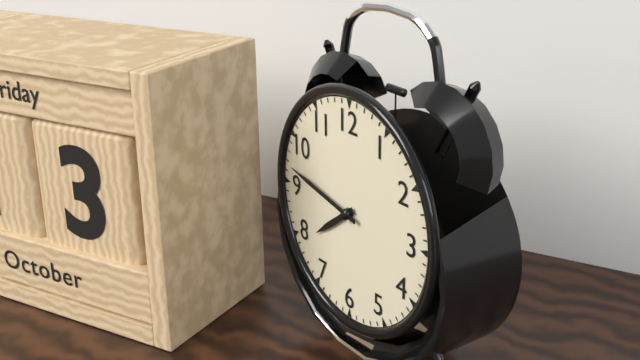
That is 7 h 47 min
